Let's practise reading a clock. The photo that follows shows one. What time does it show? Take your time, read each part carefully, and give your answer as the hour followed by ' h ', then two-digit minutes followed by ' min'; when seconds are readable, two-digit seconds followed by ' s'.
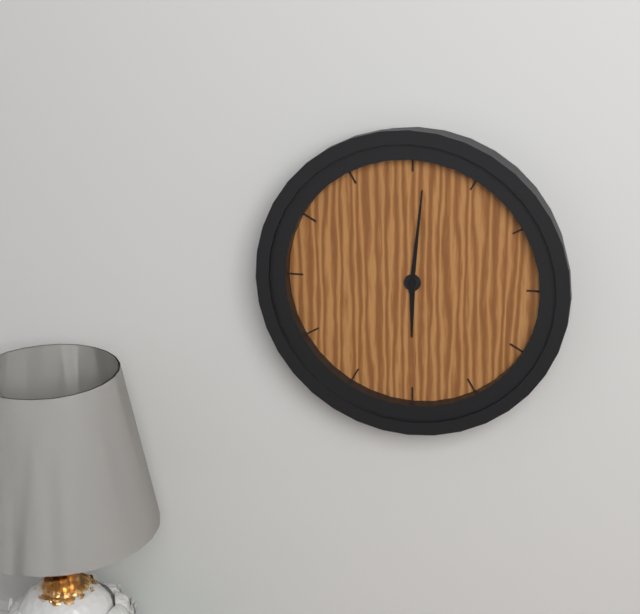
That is 6 h 01 min
